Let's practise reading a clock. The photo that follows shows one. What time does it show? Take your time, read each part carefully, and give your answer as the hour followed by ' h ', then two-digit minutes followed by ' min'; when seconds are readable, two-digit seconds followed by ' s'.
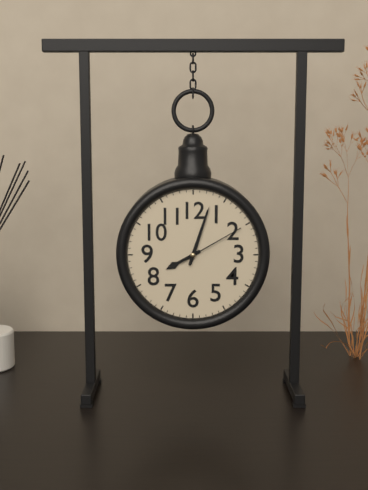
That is 8 h 03 min 10 s
